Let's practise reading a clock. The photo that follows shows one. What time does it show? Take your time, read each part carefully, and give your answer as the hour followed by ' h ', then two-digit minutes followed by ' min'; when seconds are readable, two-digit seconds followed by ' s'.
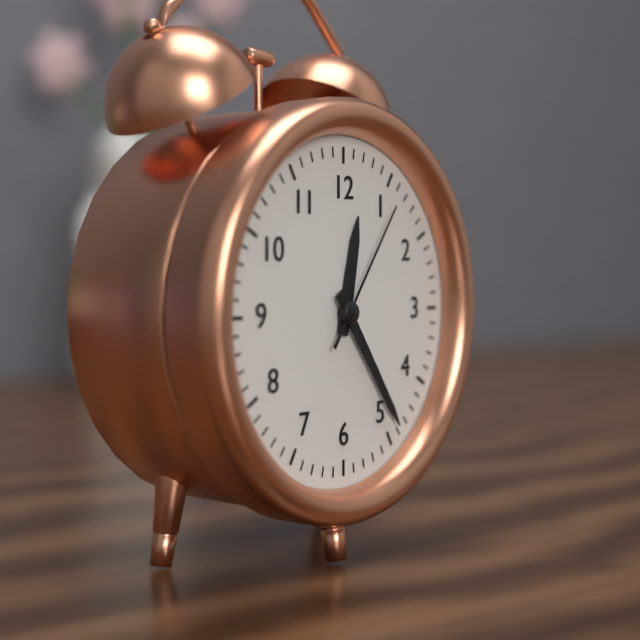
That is 12 h 24 min 06 s
